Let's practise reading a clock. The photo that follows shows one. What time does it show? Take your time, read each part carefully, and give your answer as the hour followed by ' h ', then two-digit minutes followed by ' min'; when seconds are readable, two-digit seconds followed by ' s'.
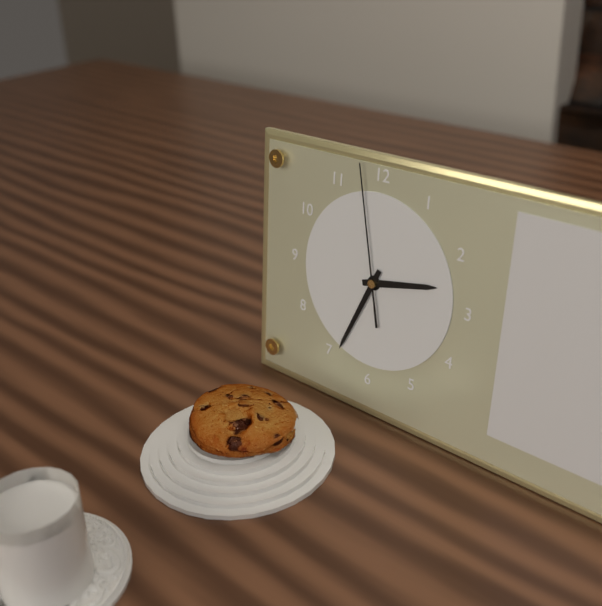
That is 2 h 34 min 58 s
